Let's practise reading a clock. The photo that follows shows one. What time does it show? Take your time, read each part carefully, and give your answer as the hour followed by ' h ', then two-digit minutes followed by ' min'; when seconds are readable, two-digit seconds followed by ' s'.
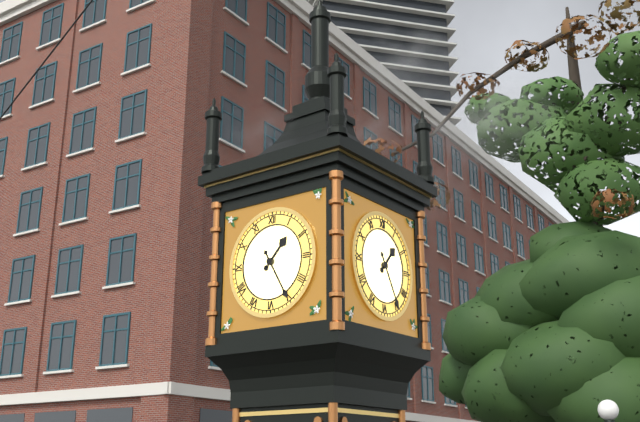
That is 1 h 25 min
